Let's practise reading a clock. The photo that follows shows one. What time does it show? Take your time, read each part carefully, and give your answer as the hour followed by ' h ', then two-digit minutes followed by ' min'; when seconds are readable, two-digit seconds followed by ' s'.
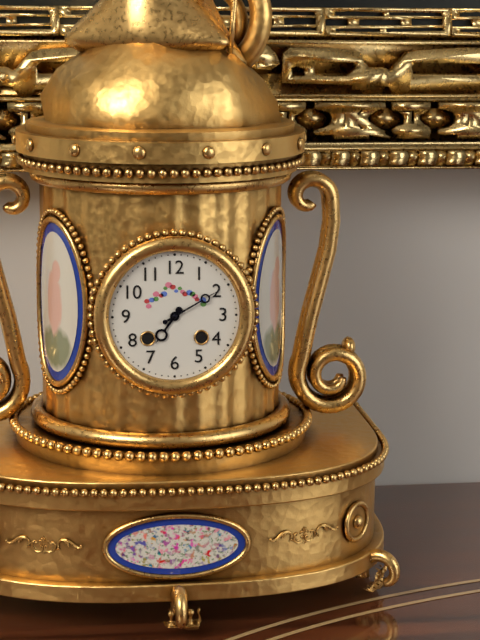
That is 7 h 10 min
